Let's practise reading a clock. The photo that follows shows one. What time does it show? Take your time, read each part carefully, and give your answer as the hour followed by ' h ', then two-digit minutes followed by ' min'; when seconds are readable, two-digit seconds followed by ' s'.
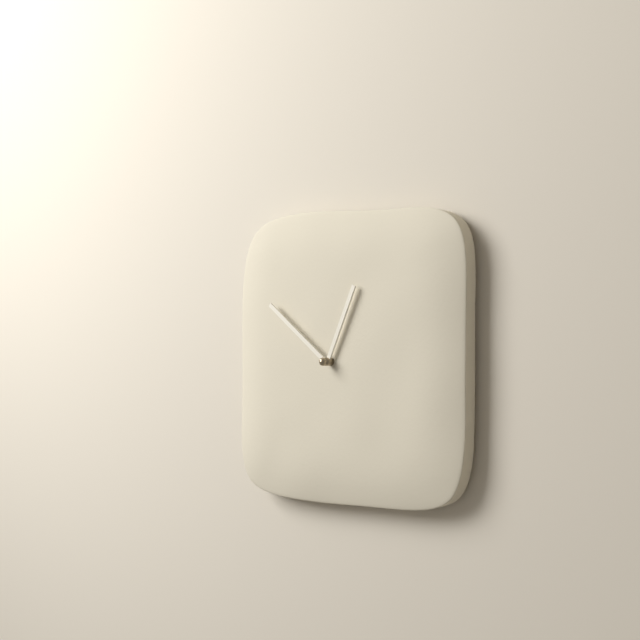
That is 12 h 51 min
